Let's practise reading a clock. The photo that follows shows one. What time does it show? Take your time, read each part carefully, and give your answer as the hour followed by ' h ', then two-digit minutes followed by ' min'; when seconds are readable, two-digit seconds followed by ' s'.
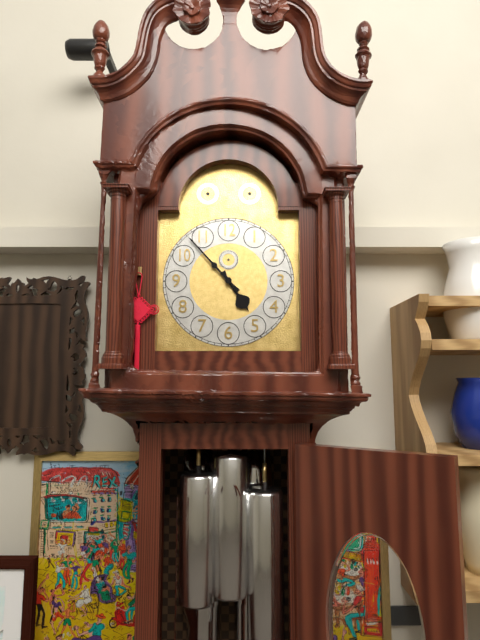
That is 4 h 53 min
